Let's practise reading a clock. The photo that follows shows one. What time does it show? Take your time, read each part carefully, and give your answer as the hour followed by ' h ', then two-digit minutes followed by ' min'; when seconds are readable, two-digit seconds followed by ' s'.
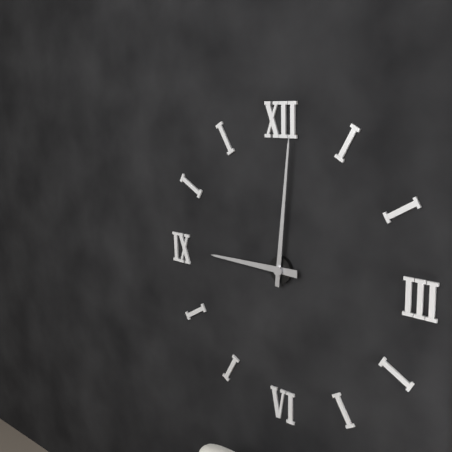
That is 9 h 01 min
